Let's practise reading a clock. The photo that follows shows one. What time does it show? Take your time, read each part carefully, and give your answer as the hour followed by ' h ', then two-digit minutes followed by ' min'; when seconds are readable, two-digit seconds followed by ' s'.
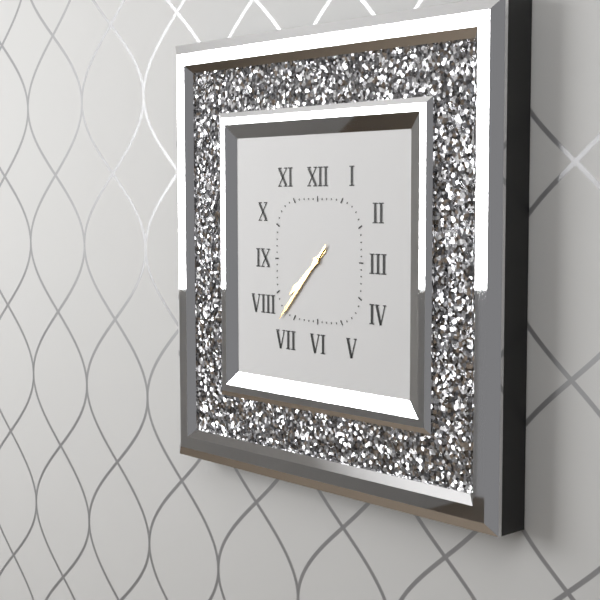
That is 7 h 37 min
